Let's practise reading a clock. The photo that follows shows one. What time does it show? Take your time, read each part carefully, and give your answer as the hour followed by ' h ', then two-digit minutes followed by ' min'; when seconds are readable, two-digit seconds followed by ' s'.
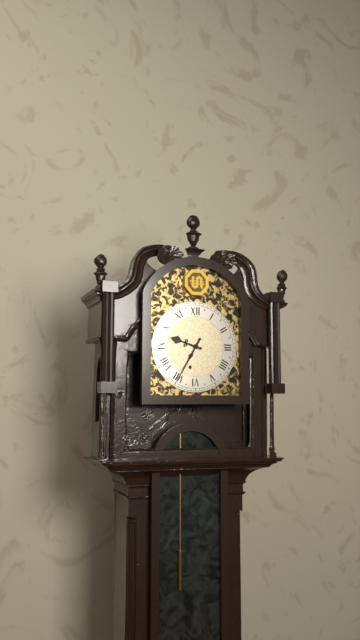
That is 9 h 35 min
